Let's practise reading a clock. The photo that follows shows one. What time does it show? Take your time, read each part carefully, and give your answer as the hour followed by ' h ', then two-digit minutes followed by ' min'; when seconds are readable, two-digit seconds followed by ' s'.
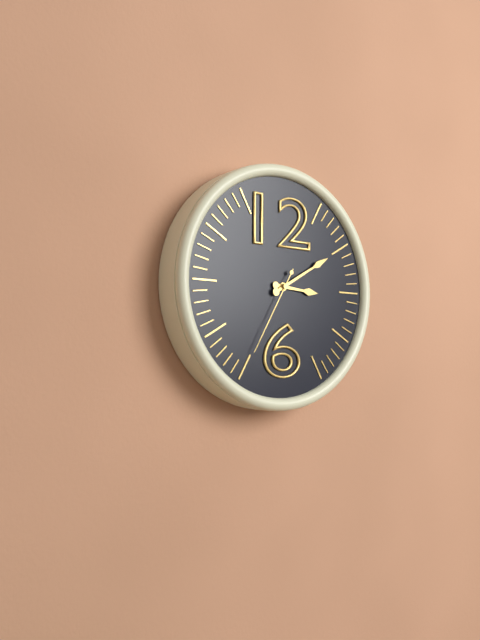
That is 3 h 10 min 35 s
